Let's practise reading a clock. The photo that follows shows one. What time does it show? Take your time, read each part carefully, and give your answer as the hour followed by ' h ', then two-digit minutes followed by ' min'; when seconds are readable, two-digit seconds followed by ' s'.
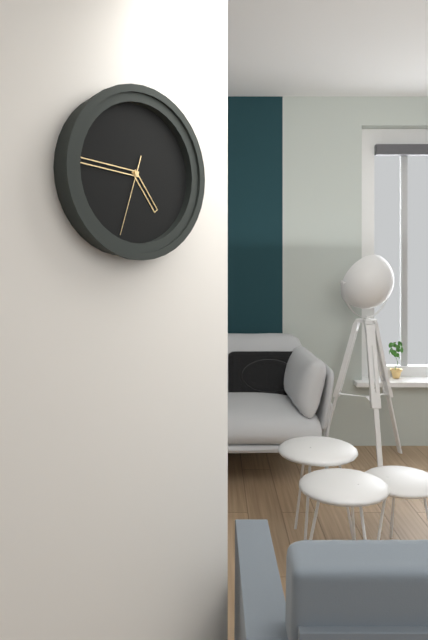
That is 4 h 46 min 33 s
